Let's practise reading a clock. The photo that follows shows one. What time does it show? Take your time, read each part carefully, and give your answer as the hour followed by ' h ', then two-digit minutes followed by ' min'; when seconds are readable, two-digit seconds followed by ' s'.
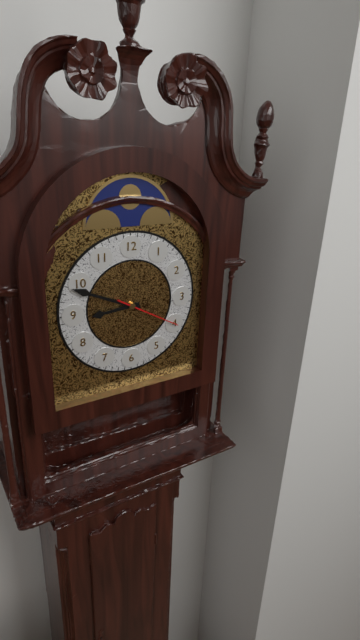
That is 8 h 49 min 20 s
